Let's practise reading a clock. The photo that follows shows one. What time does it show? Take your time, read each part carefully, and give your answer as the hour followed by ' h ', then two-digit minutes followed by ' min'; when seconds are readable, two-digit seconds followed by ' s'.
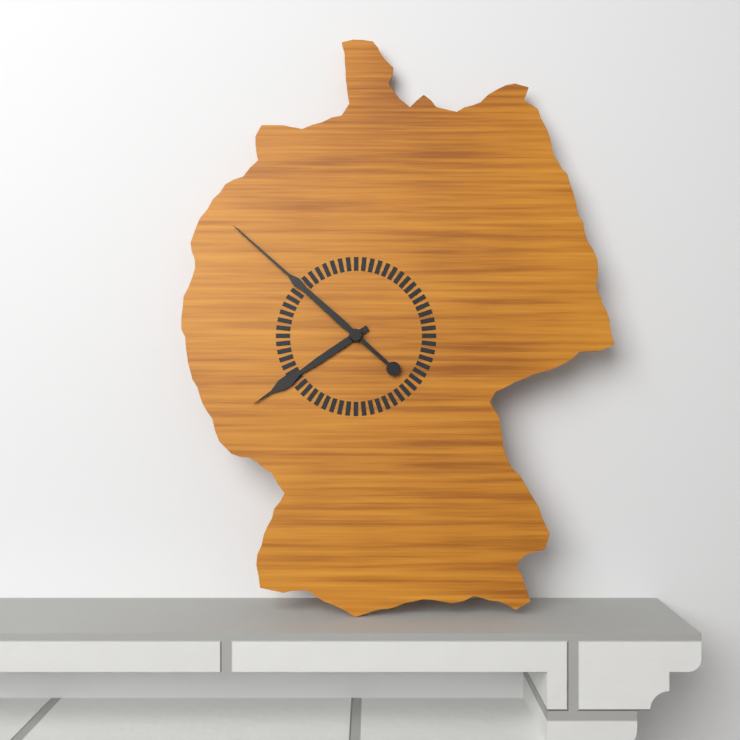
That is 7 h 52 min
